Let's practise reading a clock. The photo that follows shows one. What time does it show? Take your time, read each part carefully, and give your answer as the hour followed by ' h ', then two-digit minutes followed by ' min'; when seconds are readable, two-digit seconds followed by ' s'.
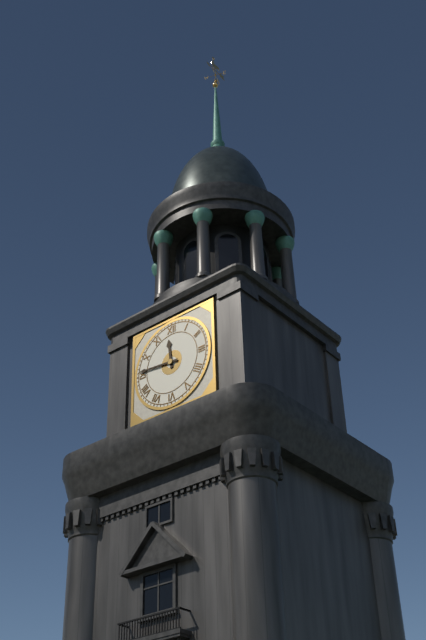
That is 11 h 46 min
